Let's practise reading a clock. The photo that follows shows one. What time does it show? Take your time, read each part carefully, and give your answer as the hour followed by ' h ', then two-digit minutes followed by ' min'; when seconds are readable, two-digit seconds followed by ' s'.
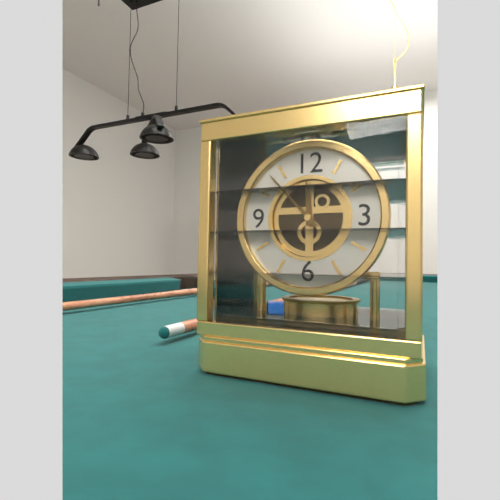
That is 11 h 53 min
